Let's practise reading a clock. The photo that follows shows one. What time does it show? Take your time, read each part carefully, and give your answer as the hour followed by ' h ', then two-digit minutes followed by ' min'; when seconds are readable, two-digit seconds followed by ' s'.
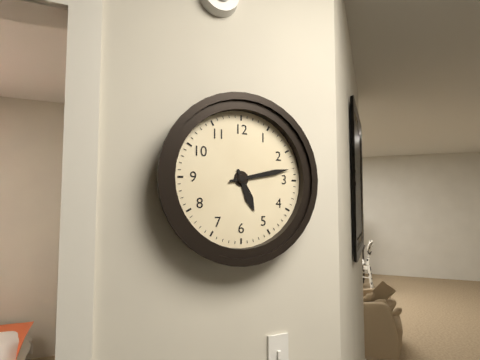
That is 5 h 13 min
